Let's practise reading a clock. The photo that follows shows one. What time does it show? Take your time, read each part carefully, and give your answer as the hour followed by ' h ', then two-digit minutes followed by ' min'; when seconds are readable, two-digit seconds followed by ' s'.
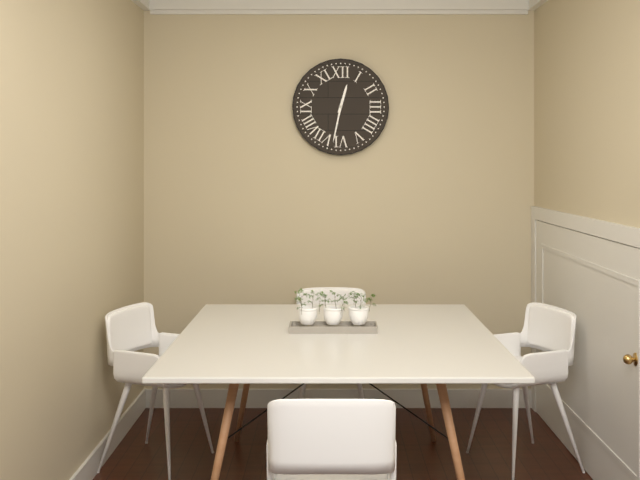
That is 12 h 32 min
